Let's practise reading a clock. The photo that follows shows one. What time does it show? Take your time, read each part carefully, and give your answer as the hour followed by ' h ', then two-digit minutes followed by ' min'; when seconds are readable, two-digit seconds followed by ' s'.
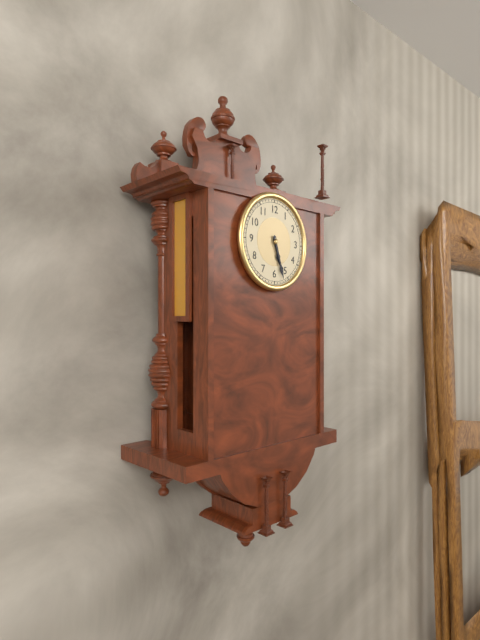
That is 5 h 27 min
